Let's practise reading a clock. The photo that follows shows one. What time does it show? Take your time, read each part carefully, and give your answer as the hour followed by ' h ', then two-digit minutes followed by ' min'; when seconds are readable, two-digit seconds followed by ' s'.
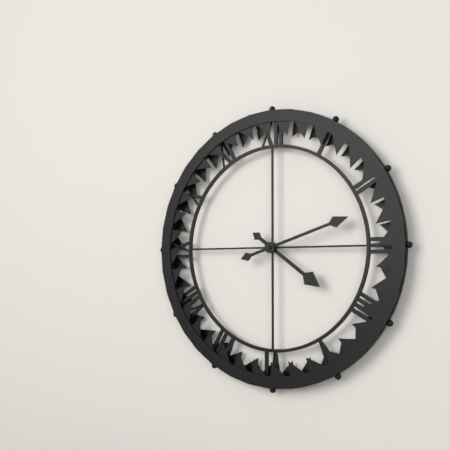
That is 4 h 12 min
